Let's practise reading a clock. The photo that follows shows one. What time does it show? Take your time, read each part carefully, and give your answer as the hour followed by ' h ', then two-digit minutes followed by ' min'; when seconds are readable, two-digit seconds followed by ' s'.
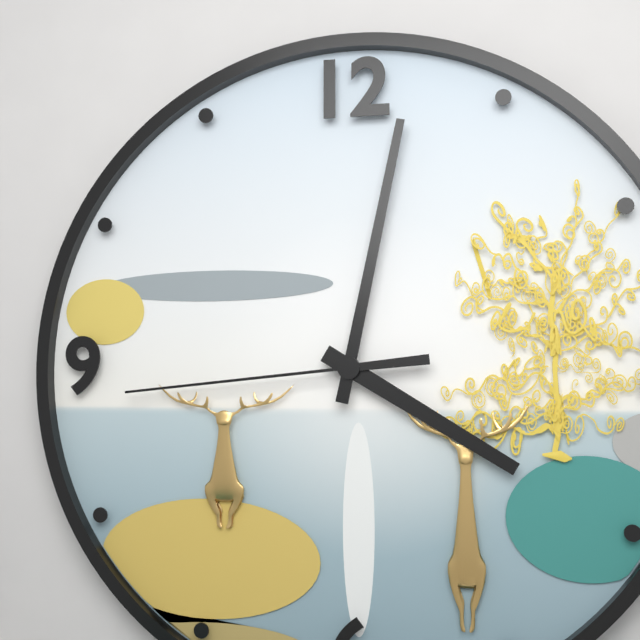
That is 4 h 02 min 44 s
